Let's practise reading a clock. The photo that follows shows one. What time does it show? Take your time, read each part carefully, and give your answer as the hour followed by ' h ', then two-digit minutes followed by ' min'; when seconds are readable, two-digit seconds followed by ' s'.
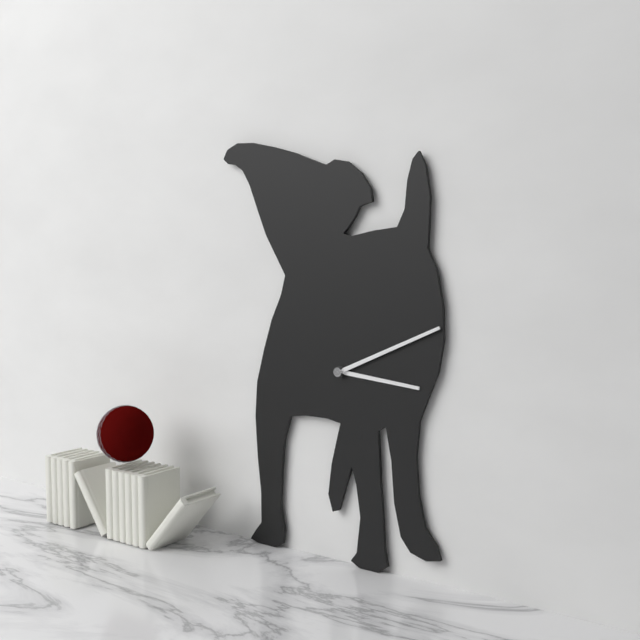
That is 3 h 11 min
